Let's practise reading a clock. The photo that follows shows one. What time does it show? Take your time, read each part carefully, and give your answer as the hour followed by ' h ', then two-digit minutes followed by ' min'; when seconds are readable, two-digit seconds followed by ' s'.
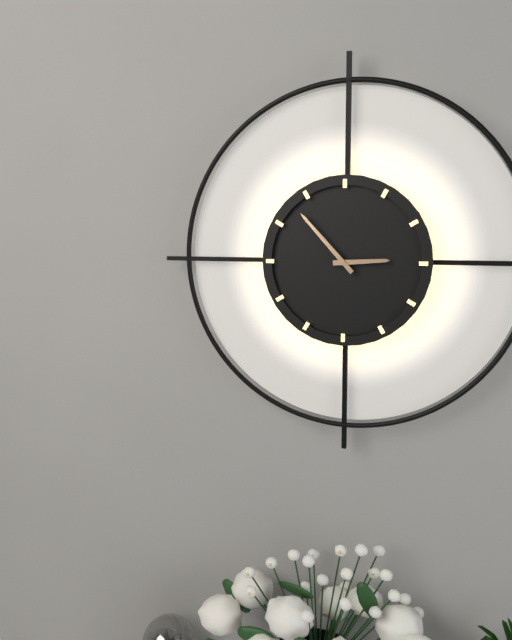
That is 2 h 53 min
